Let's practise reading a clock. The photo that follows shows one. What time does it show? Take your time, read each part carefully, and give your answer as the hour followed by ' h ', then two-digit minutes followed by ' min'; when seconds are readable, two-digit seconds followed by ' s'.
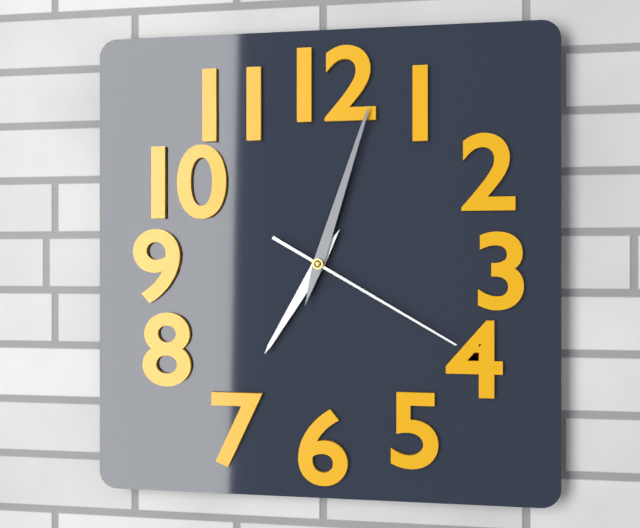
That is 7 h 03 min 20 s
